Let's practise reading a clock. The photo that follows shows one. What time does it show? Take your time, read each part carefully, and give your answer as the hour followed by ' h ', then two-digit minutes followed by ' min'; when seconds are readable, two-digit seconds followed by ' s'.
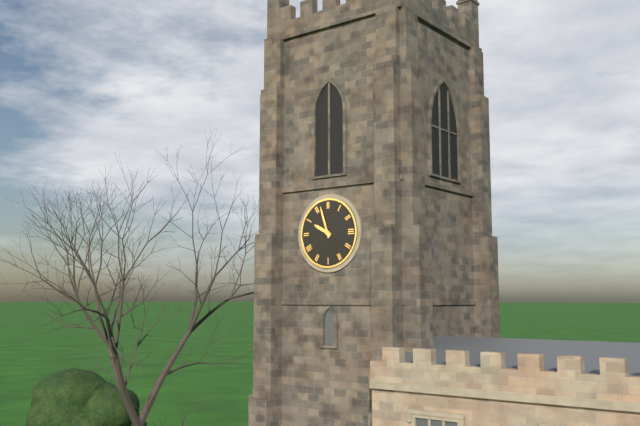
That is 9 h 57 min
